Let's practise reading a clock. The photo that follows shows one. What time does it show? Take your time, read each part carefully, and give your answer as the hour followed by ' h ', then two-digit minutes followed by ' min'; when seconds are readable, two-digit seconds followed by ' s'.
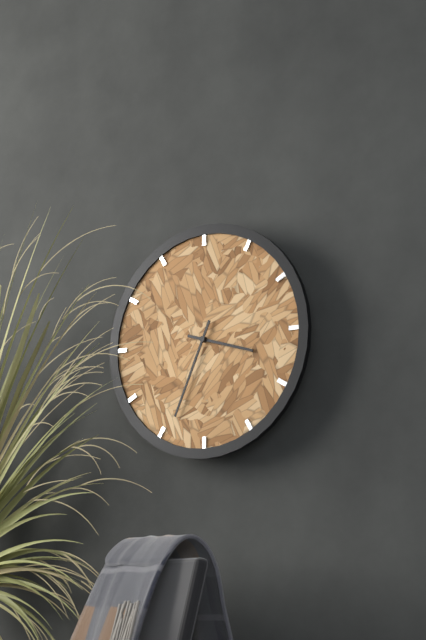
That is 3 h 34 min
